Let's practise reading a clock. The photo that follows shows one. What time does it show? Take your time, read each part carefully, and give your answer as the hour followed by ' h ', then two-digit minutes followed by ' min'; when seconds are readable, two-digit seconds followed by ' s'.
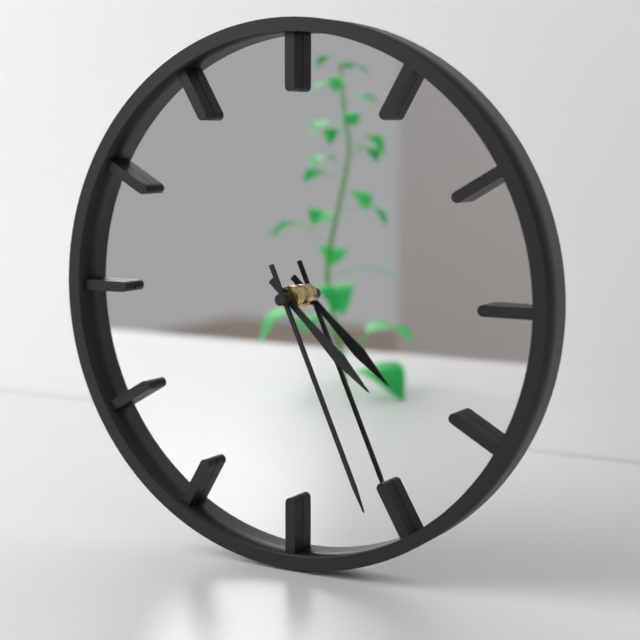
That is 4 h 26 min
